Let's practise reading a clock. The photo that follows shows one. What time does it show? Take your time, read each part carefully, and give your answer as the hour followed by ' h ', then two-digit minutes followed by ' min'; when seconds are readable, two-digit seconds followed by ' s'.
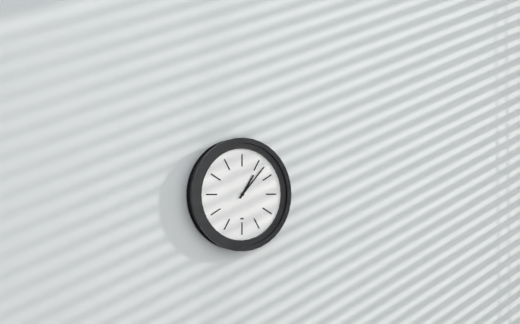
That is 1 h 07 min
